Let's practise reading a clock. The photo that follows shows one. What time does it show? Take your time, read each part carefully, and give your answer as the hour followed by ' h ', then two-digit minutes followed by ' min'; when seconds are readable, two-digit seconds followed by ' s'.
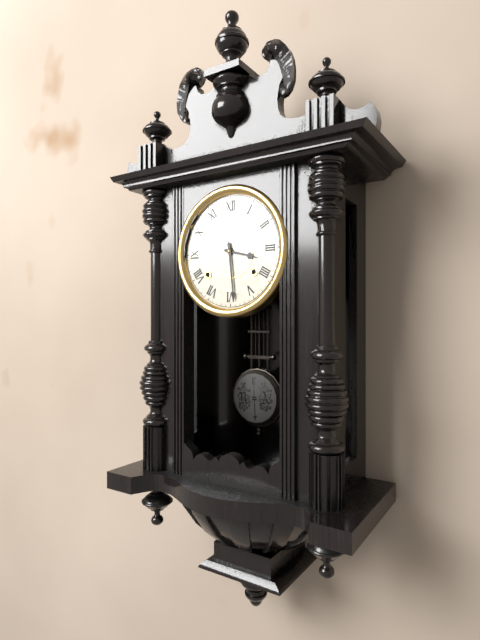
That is 3 h 29 min
